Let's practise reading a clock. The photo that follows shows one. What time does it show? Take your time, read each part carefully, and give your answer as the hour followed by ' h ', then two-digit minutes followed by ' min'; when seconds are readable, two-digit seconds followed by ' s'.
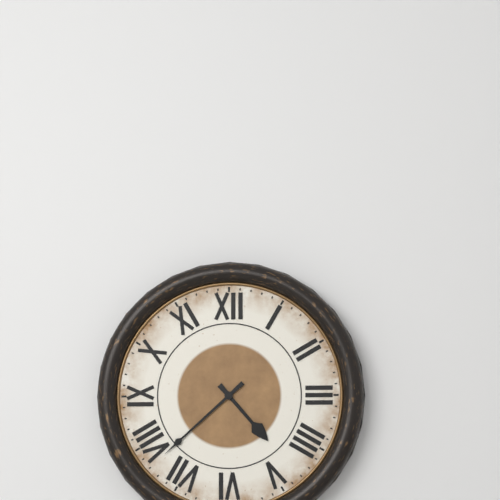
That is 4 h 38 min
